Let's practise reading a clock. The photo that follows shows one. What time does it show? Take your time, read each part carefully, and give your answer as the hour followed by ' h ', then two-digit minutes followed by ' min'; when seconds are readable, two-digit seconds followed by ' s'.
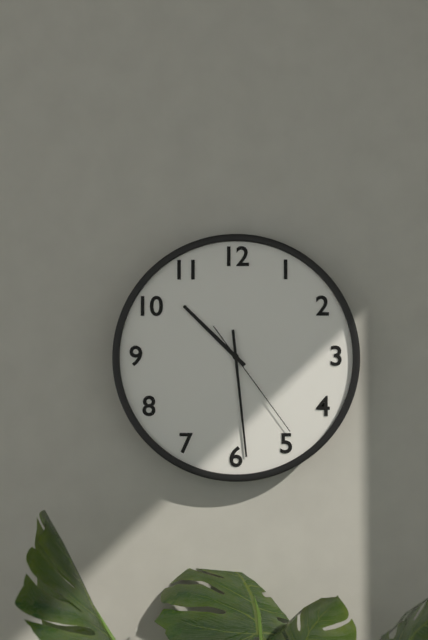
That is 10 h 29 min 24 s
